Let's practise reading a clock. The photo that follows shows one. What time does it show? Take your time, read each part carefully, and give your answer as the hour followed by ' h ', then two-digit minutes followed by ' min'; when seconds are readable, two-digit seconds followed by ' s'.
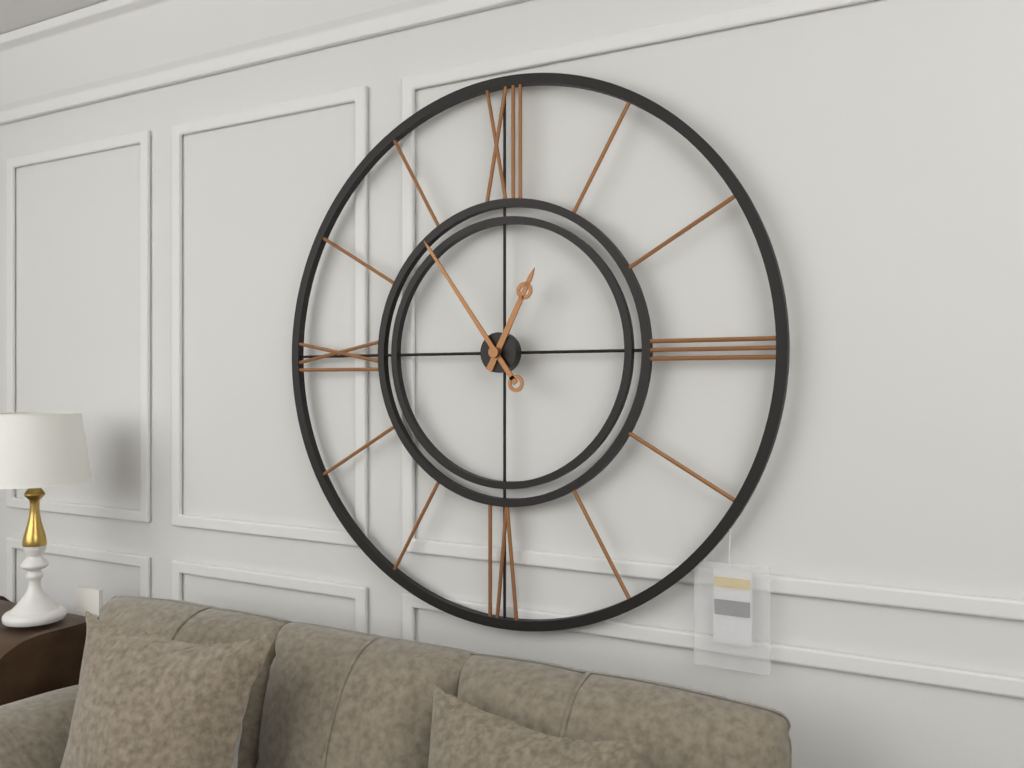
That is 12 h 54 min
